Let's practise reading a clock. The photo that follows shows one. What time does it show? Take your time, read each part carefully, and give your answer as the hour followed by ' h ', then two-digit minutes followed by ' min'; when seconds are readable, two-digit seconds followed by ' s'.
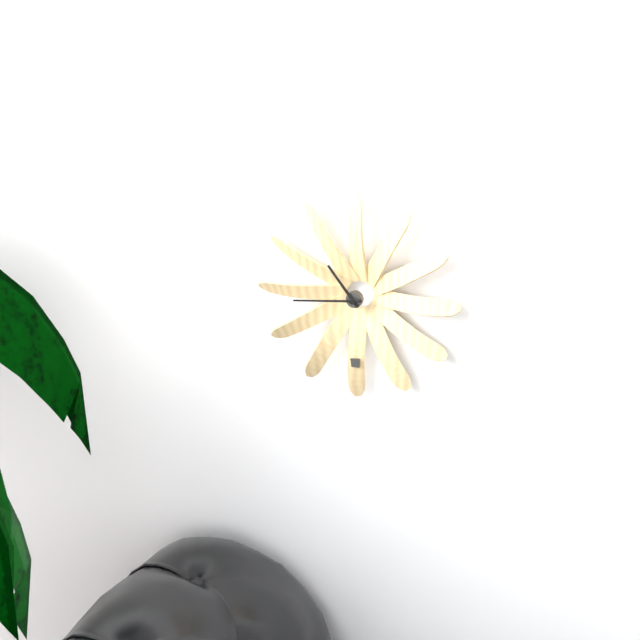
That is 10 h 44 min
